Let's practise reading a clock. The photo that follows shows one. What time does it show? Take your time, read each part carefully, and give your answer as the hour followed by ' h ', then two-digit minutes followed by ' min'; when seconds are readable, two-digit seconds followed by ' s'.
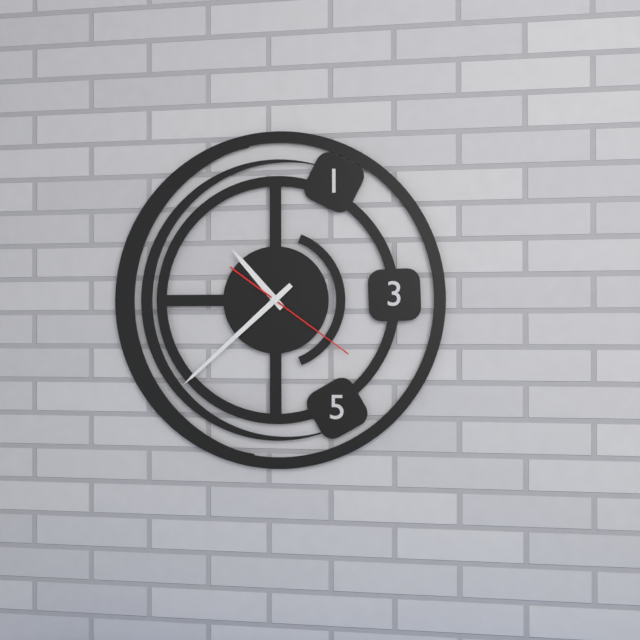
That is 10 h 38 min 21 s
